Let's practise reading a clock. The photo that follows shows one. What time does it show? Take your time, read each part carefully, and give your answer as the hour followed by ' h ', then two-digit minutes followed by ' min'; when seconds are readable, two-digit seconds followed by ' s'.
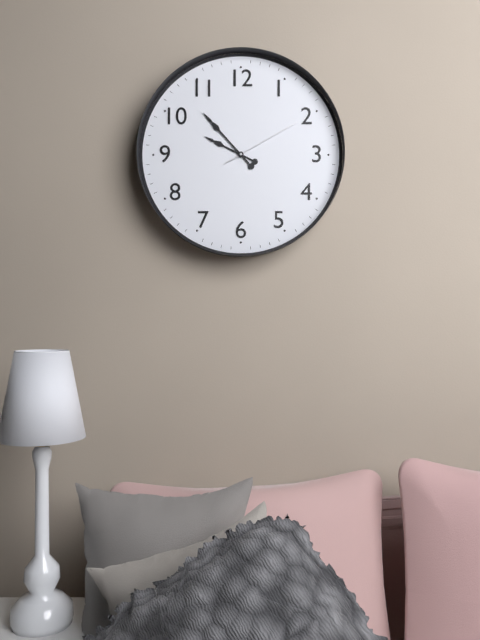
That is 9 h 53 min 10 s
